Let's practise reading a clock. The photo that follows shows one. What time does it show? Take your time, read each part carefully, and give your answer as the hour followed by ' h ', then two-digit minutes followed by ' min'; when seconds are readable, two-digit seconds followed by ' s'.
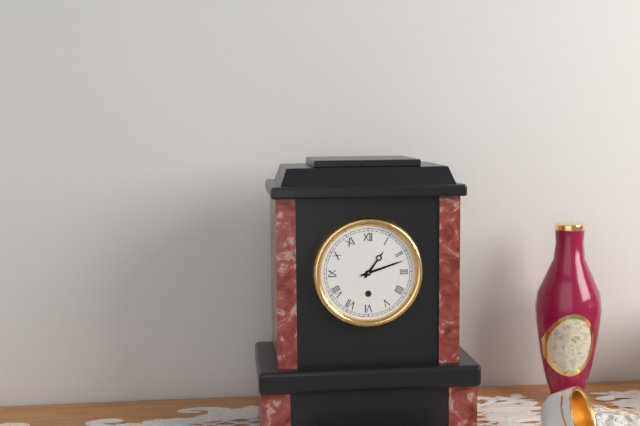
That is 1 h 12 min
